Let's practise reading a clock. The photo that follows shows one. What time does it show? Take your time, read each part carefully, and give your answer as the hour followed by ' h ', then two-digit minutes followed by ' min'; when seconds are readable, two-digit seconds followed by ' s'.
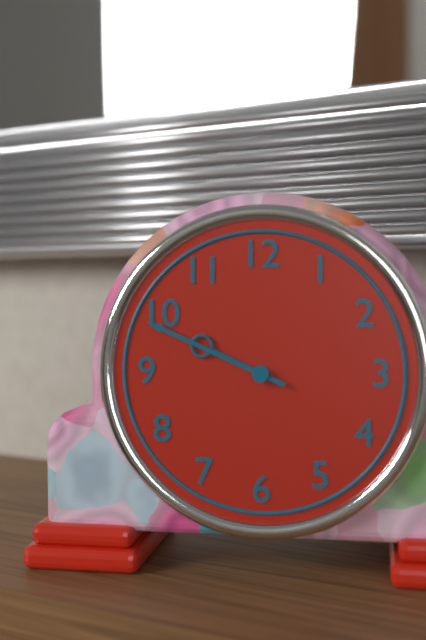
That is 9 h 49 min
